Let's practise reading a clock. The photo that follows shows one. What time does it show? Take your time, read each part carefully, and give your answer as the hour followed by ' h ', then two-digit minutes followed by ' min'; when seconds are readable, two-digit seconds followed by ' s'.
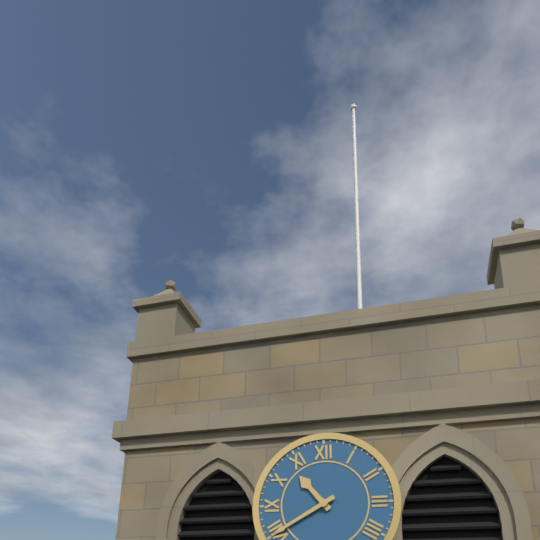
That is 10 h 40 min
